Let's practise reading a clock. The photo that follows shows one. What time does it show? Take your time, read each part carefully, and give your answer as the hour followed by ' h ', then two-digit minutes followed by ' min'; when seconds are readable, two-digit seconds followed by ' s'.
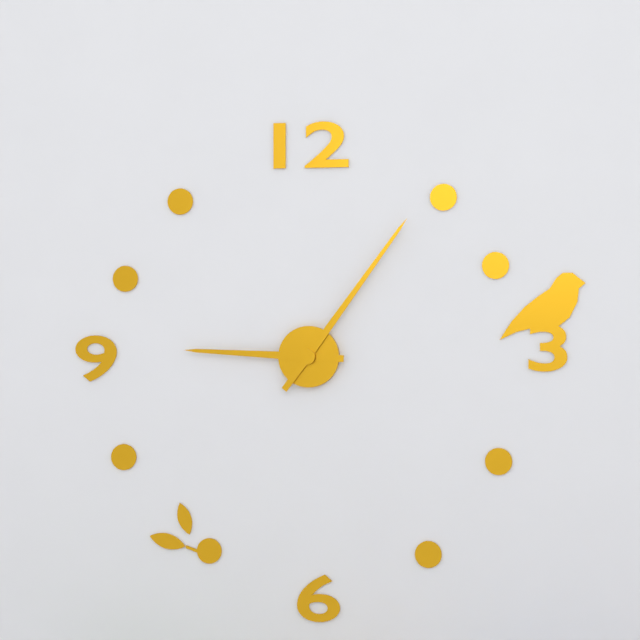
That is 9 h 06 min
